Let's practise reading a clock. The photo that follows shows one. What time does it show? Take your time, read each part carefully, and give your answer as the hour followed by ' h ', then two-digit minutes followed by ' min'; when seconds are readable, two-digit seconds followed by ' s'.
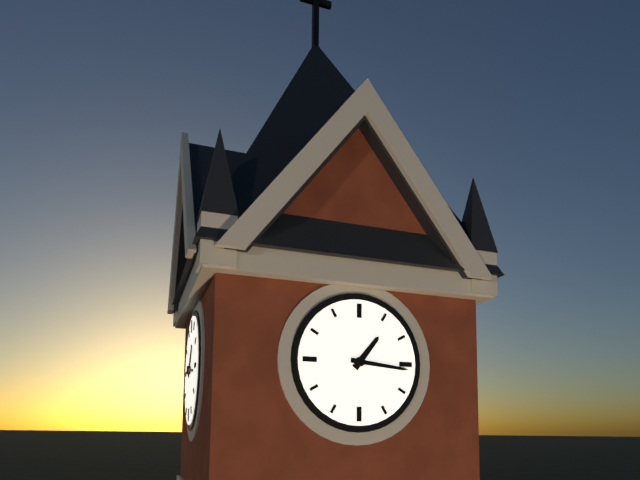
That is 1 h 16 min
